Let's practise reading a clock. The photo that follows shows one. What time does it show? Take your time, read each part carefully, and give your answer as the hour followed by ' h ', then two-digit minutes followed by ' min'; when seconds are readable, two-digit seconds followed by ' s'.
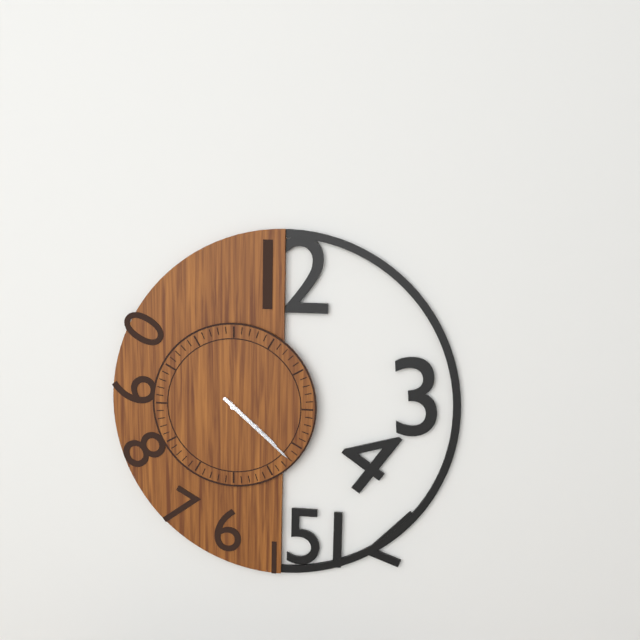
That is 4 h 22 min
